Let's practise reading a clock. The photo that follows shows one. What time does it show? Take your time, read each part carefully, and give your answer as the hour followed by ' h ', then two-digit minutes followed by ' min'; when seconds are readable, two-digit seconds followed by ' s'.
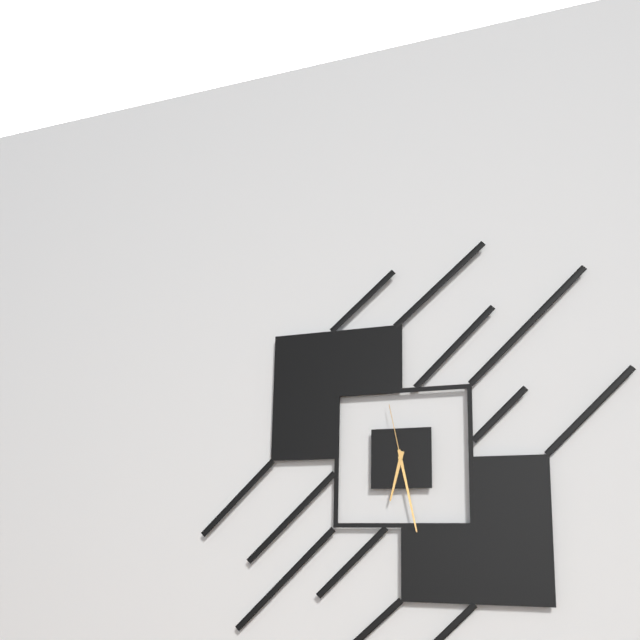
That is 6 h 28 min 58 s
